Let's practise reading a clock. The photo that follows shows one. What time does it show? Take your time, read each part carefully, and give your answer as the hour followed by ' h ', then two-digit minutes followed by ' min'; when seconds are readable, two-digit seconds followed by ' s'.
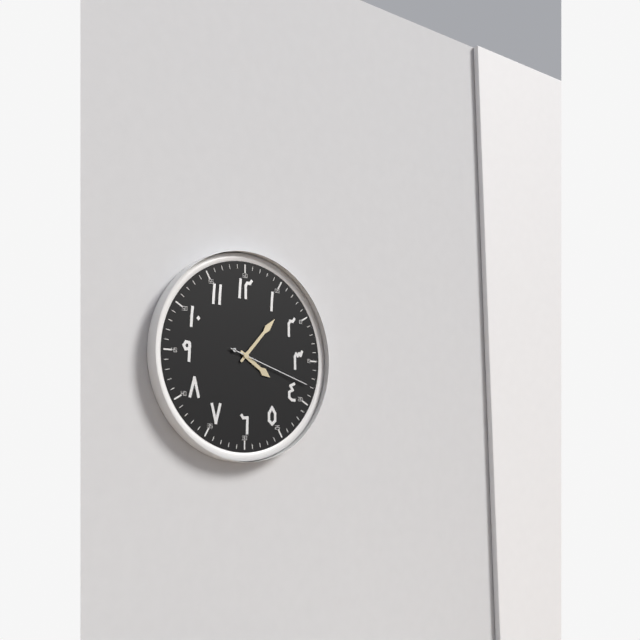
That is 4 h 07 min 18 s
